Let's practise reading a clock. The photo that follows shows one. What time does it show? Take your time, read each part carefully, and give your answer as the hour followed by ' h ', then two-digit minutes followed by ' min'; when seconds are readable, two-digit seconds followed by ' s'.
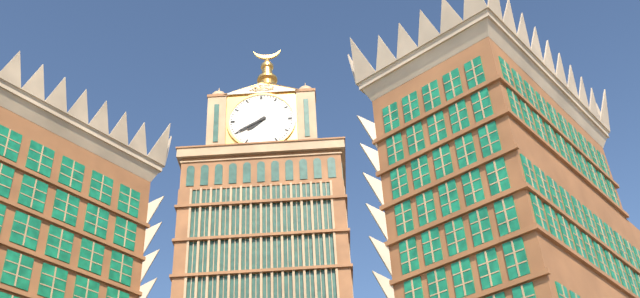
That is 7 h 40 min
